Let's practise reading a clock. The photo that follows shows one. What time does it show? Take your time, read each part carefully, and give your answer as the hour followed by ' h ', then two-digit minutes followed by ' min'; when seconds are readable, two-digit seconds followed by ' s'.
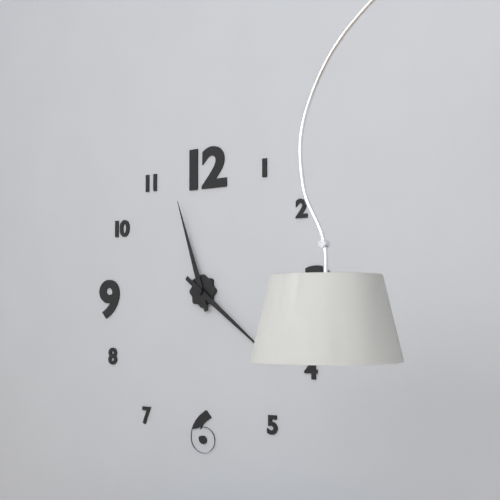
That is 11 h 21 min
